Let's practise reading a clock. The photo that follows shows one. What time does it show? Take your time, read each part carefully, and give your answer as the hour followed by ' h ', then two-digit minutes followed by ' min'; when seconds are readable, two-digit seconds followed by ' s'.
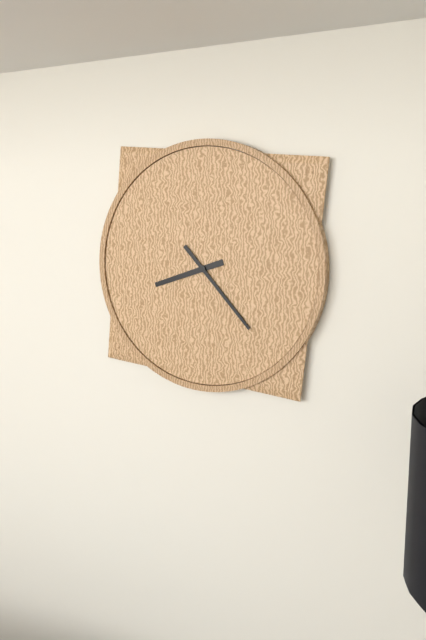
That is 8 h 23 min
